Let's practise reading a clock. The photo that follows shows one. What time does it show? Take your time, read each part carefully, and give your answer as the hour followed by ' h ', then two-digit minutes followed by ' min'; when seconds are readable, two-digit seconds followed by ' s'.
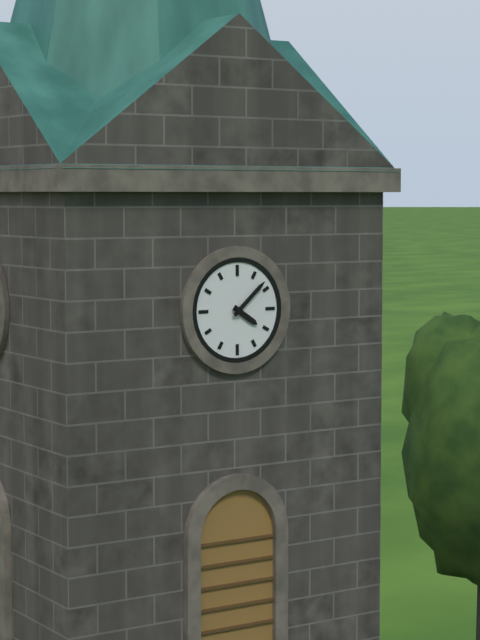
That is 4 h 08 min
